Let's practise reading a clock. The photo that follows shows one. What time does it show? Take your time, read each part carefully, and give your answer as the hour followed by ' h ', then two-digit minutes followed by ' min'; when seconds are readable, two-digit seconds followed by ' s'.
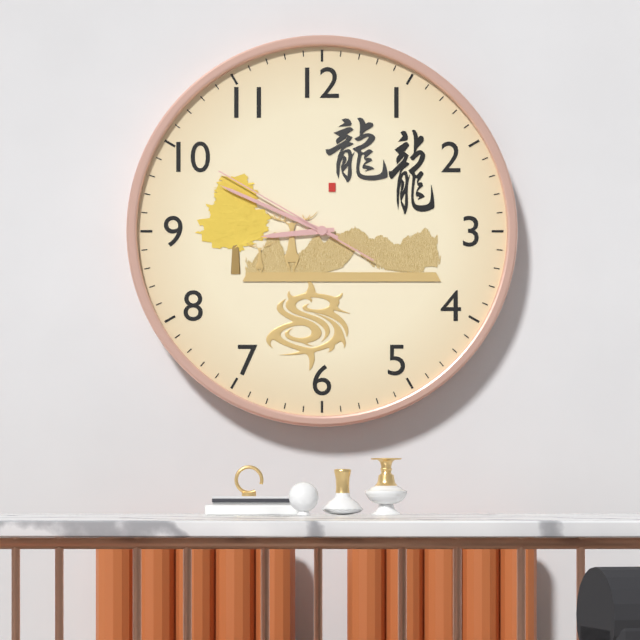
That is 8 h 49 min 50 s
